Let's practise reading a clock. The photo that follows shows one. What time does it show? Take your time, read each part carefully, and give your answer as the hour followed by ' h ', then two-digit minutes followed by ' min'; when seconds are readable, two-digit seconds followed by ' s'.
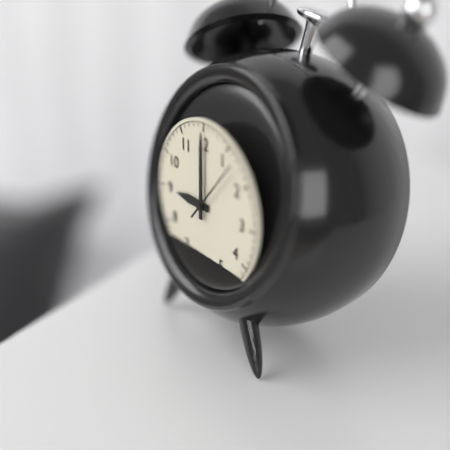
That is 9 h 00 min 07 s
